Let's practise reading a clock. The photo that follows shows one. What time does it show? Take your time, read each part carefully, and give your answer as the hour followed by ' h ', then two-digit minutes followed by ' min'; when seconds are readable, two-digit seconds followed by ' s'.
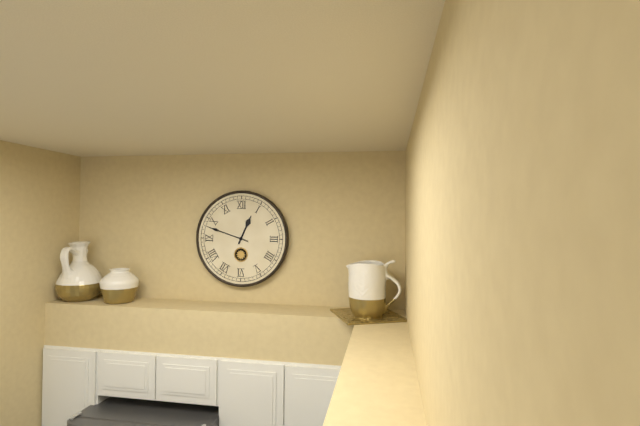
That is 12 h 48 min
